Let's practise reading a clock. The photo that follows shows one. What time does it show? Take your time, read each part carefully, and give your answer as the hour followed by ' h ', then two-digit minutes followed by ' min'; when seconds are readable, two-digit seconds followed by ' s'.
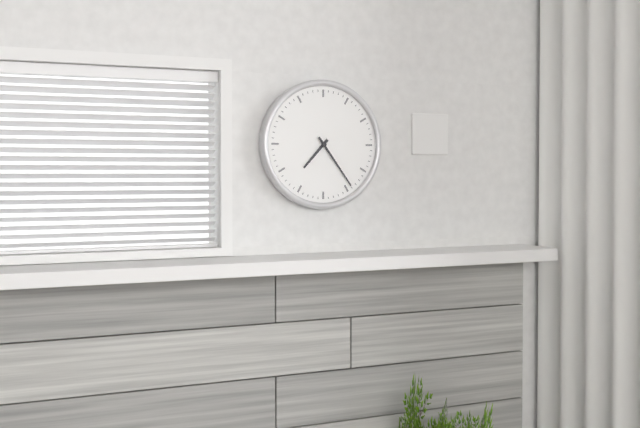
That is 7 h 24 min
